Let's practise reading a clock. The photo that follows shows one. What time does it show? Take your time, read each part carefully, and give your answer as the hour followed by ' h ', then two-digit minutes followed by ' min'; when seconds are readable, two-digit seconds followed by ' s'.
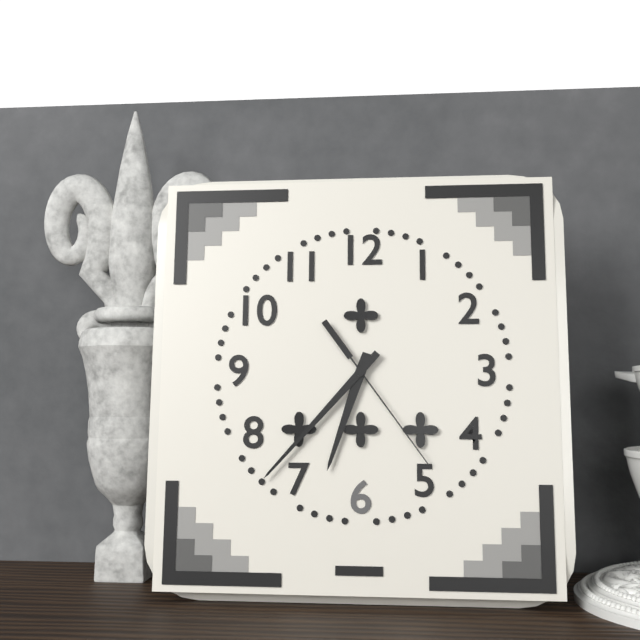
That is 6 h 37 min 24 s
